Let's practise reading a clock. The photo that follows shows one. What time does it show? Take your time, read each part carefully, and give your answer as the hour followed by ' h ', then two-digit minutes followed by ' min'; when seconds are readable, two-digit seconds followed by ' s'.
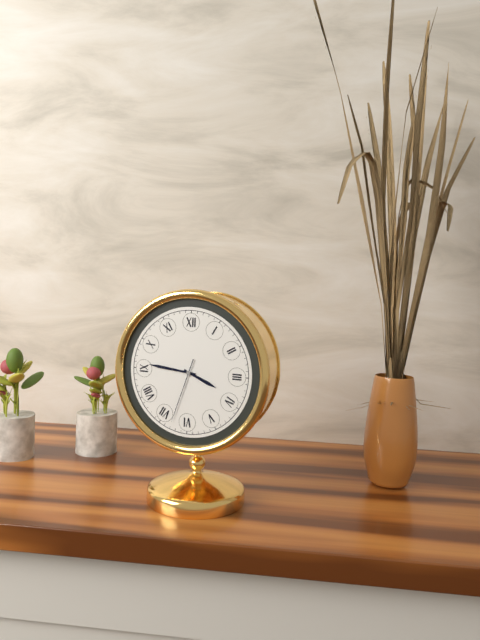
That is 3 h 46 min 33 s
